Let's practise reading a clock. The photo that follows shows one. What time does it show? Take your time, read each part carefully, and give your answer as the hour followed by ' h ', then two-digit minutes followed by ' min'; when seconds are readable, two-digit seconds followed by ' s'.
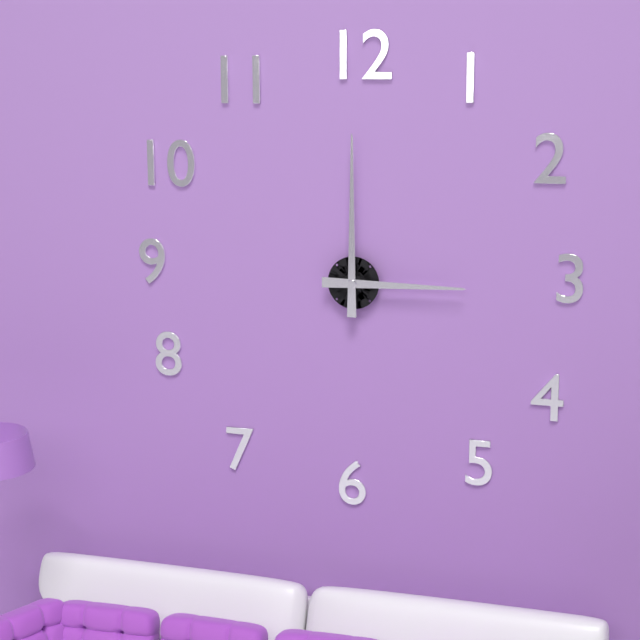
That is 3 h 00 min
